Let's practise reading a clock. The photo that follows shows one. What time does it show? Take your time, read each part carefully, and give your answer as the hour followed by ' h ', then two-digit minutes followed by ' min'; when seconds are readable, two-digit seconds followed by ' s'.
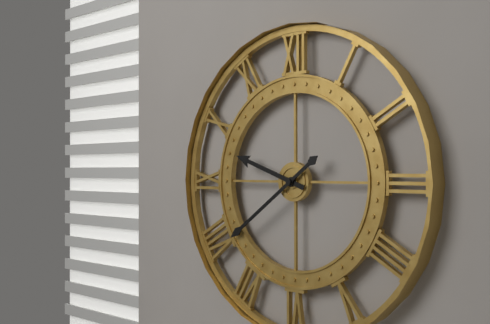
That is 9 h 39 min
